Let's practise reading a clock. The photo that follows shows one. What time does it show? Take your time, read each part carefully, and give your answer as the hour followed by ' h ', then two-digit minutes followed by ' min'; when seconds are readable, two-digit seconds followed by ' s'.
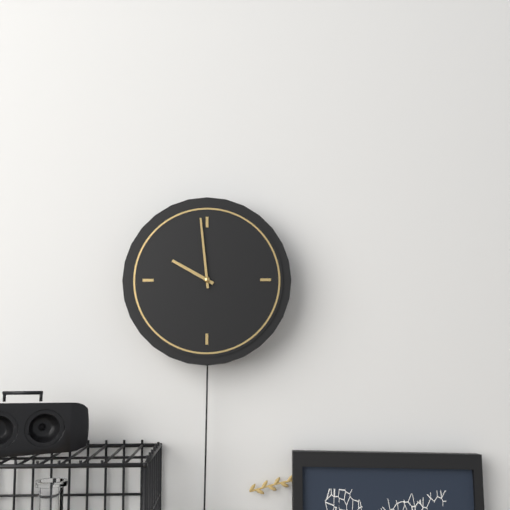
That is 9 h 59 min
